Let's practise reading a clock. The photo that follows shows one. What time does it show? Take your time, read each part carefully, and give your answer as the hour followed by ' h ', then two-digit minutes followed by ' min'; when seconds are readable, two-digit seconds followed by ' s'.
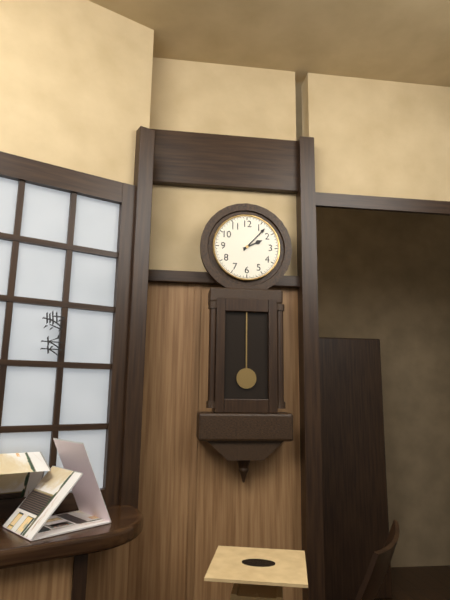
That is 2 h 07 min
